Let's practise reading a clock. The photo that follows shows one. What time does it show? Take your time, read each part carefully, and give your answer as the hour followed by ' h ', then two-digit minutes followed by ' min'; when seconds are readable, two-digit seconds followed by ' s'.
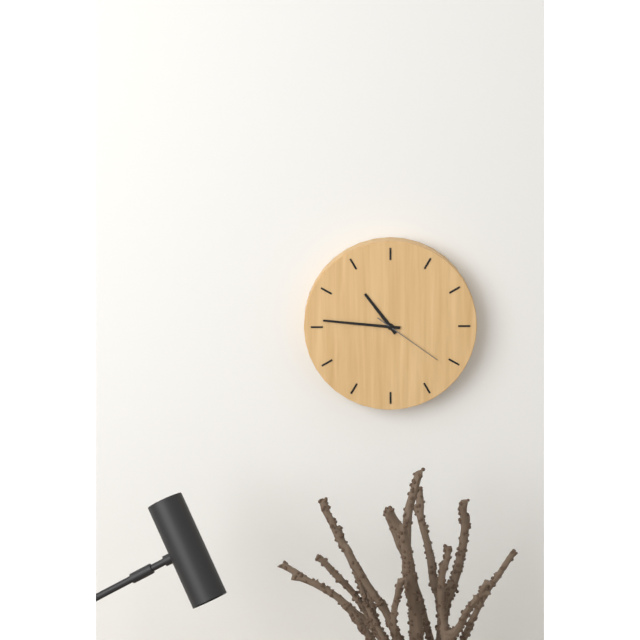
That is 10 h 46 min 21 s
